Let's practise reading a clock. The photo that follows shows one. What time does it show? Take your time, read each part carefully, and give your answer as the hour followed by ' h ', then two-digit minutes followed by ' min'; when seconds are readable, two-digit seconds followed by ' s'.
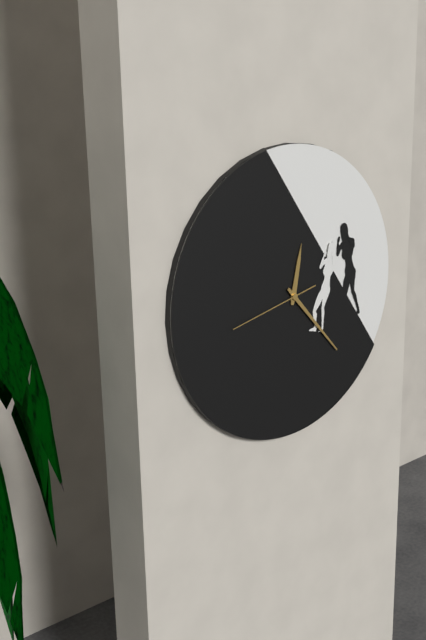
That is 12 h 23 min 43 s
